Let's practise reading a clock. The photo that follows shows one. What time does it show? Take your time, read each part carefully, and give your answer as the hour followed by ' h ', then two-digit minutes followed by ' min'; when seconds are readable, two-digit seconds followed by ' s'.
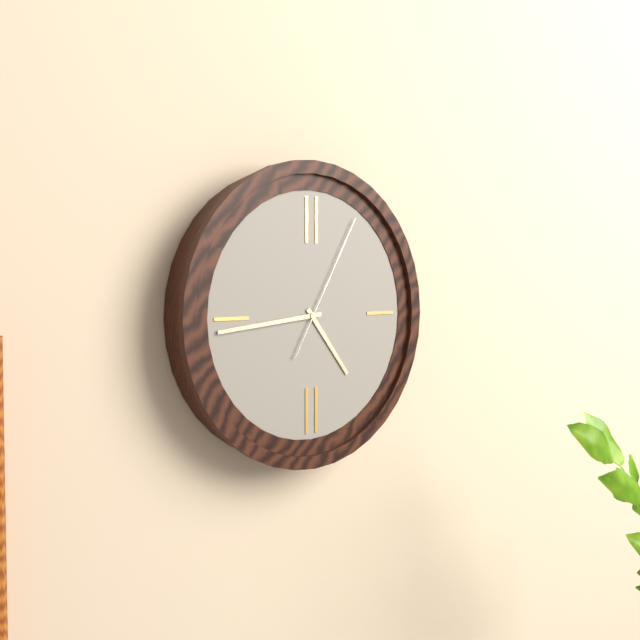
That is 4 h 44 min 05 s
